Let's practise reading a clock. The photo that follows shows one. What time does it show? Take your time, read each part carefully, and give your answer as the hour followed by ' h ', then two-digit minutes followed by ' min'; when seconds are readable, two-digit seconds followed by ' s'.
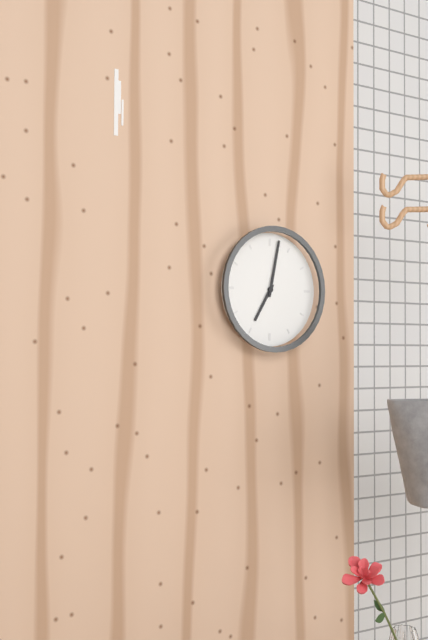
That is 7 h 02 min
